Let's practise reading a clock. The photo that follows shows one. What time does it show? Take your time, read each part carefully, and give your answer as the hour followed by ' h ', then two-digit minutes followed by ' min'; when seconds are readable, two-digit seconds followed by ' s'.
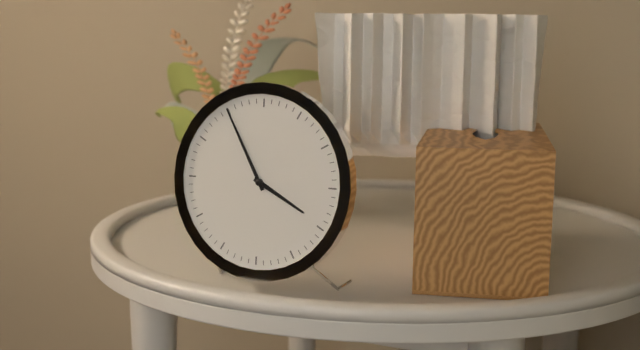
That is 3 h 55 min
